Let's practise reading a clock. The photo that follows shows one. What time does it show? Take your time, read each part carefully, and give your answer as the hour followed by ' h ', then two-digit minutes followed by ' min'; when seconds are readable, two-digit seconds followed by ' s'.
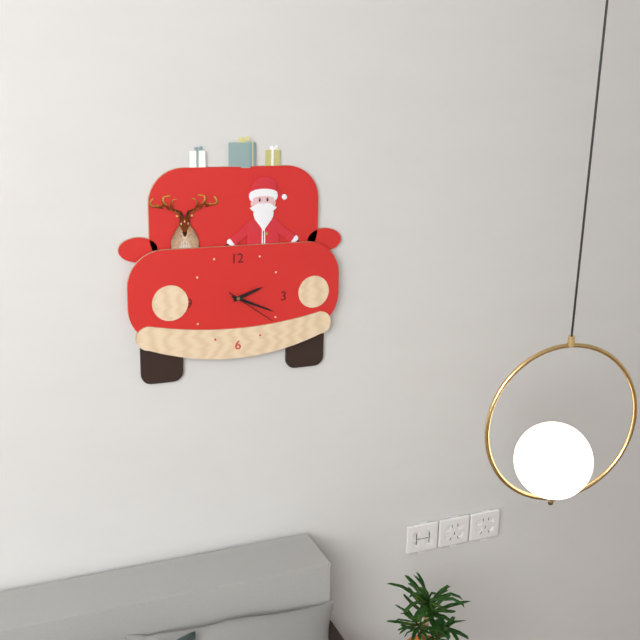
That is 2 h 19 min 21 s
